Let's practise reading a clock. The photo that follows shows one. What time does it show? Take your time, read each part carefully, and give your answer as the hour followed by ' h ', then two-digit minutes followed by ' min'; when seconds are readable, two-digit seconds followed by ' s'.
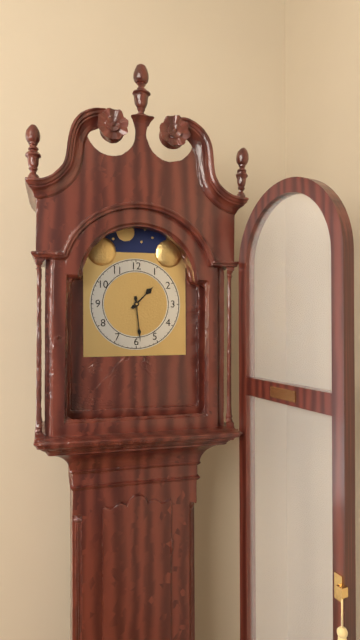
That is 1 h 29 min
